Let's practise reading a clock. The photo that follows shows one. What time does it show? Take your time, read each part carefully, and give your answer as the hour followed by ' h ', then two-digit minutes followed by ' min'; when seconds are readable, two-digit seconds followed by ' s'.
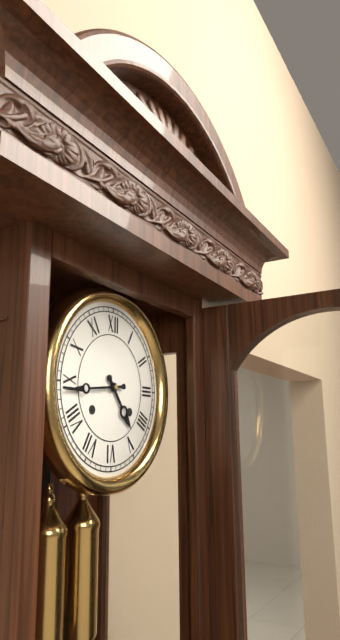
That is 4 h 44 min
